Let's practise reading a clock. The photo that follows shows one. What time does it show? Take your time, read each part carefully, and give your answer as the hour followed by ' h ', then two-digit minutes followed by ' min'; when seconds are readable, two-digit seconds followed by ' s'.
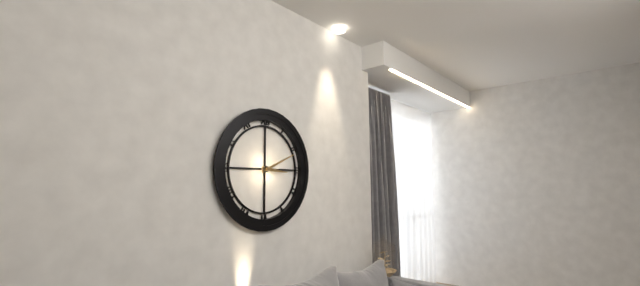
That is 3 h 11 min
